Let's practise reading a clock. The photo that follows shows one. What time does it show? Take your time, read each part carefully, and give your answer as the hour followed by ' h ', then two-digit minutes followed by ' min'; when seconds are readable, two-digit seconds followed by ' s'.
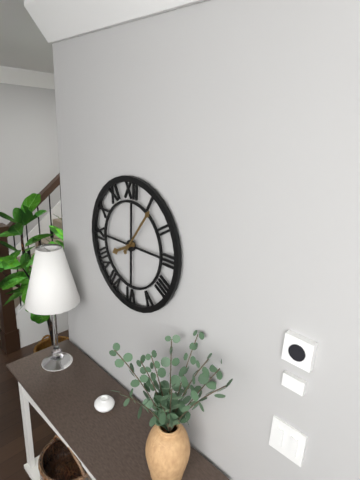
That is 8 h 06 min
